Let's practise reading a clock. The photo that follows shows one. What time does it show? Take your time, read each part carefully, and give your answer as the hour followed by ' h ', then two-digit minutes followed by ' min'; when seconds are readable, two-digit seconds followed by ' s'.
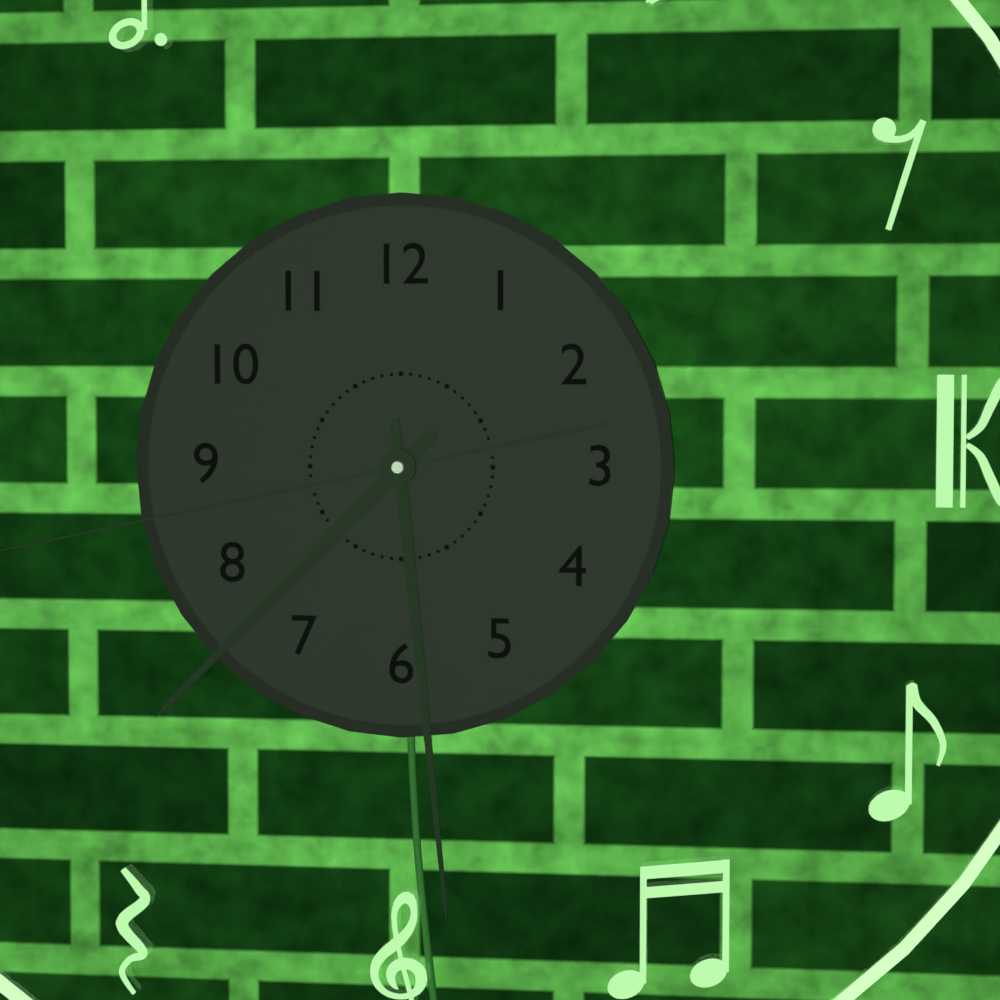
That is 7 h 29 min
